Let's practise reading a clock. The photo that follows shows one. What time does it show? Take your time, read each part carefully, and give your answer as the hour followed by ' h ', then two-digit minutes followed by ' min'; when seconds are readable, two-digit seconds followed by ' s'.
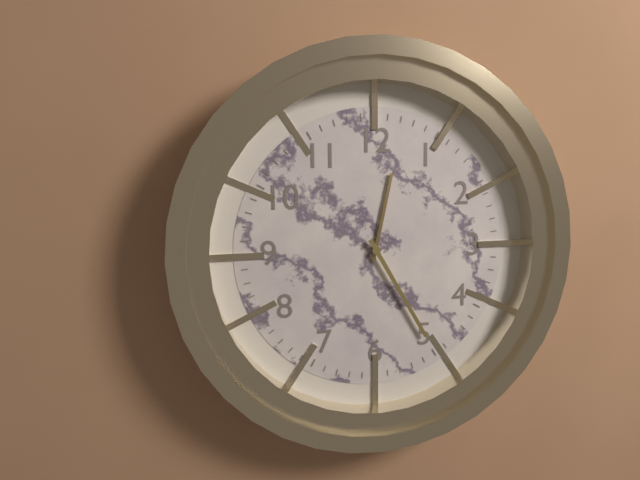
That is 12 h 25 min
